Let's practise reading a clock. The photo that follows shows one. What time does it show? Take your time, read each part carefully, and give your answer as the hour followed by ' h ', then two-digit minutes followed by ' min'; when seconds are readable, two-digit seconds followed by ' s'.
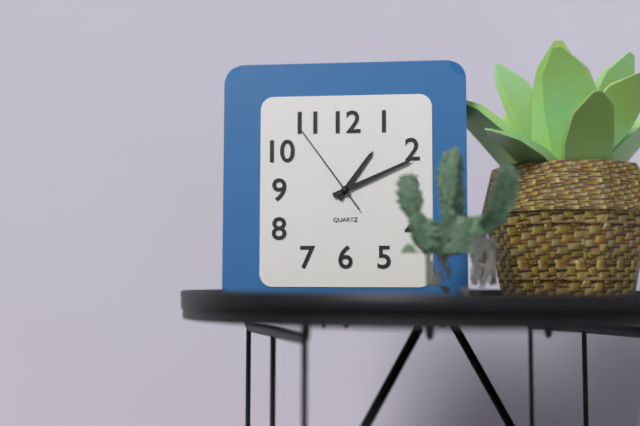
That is 1 h 11 min 54 s
